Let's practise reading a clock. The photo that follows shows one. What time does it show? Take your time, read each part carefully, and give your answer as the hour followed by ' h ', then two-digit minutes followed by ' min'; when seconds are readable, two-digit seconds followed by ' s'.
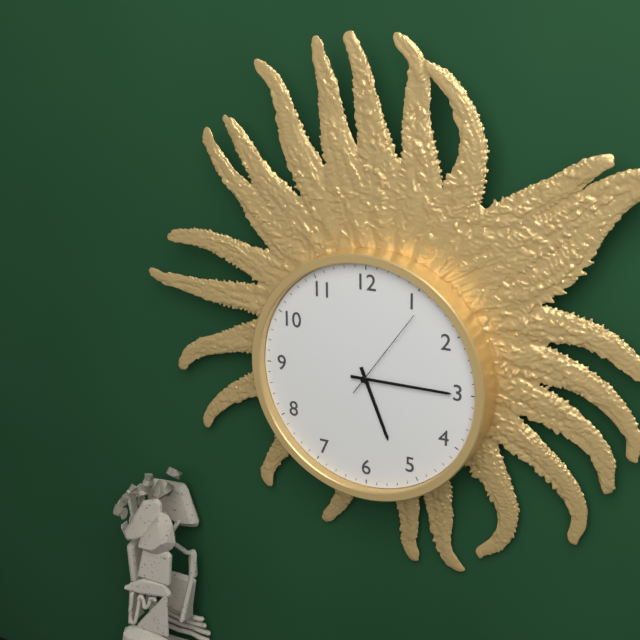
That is 5 h 15 min 06 s
